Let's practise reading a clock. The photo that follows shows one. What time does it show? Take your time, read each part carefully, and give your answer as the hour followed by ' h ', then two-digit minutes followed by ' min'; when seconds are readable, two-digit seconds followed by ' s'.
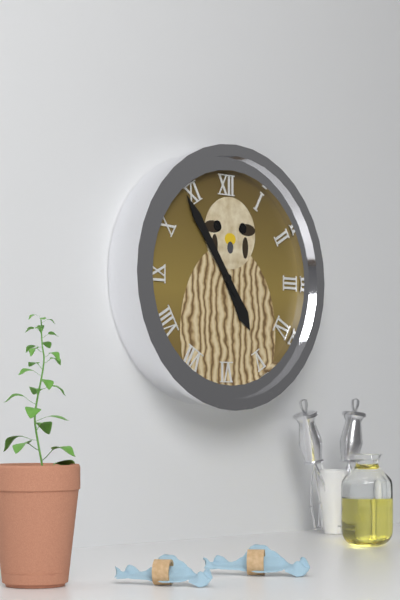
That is 4 h 54 min
